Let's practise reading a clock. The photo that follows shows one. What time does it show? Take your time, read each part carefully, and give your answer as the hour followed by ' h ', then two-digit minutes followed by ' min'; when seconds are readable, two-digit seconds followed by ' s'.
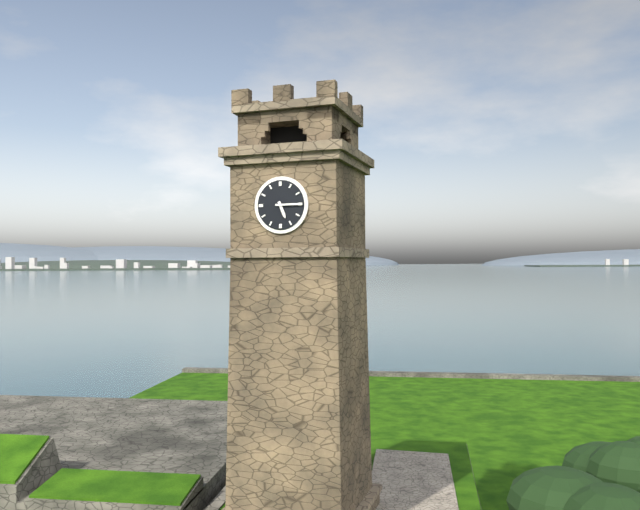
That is 5 h 15 min
